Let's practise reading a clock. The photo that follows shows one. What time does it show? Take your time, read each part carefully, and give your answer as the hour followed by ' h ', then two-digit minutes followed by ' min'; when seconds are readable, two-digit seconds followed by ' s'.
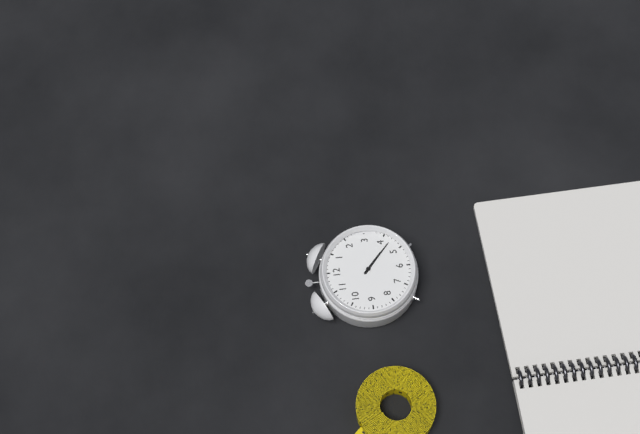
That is 4 h 22 min
